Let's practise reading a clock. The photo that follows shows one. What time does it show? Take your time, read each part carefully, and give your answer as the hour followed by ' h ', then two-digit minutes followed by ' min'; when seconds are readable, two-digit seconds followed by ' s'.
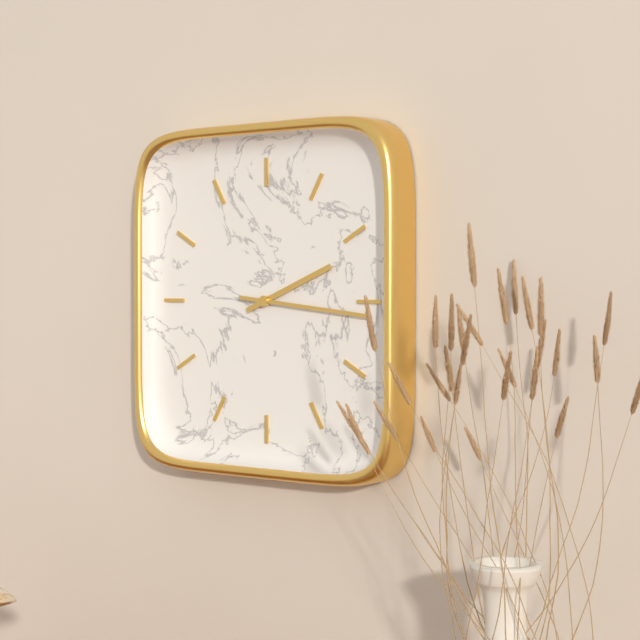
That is 2 h 16 min
